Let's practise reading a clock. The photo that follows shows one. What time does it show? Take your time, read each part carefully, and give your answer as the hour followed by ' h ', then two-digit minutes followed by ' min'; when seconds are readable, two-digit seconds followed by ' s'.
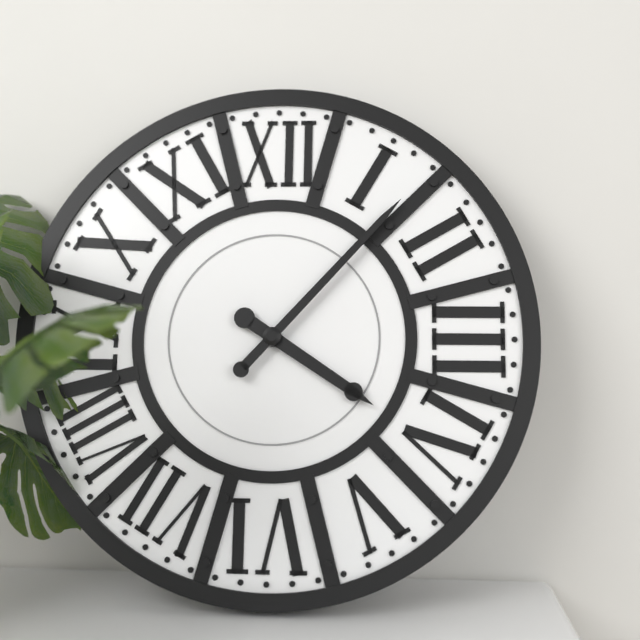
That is 4 h 07 min
